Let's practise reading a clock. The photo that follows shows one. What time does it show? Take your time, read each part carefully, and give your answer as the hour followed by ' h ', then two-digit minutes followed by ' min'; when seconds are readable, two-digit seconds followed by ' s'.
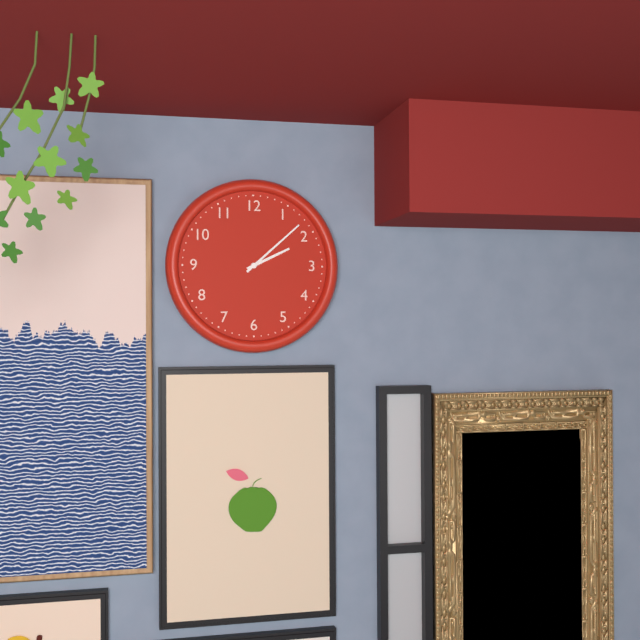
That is 2 h 08 min
